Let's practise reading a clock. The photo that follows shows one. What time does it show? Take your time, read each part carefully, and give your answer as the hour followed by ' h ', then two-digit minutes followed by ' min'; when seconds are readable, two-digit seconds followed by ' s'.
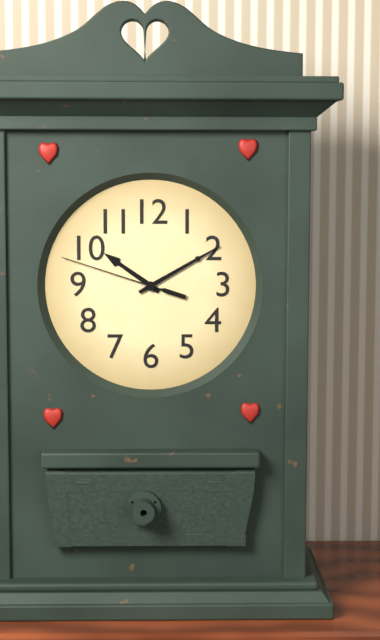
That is 10 h 10 min 48 s
